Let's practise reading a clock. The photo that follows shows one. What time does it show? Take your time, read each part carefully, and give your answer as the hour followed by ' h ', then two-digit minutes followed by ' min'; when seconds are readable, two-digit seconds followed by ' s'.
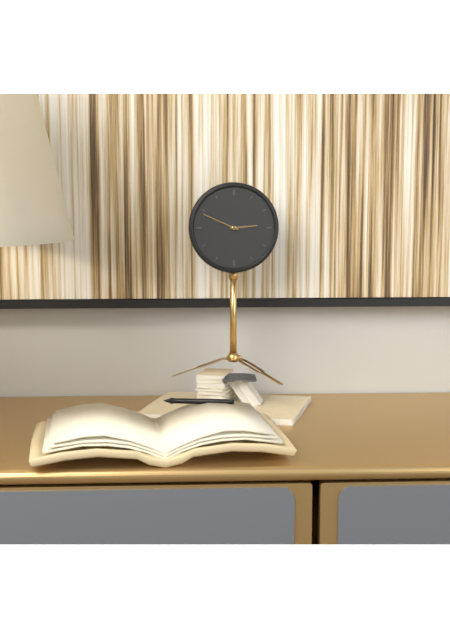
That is 2 h 49 min
